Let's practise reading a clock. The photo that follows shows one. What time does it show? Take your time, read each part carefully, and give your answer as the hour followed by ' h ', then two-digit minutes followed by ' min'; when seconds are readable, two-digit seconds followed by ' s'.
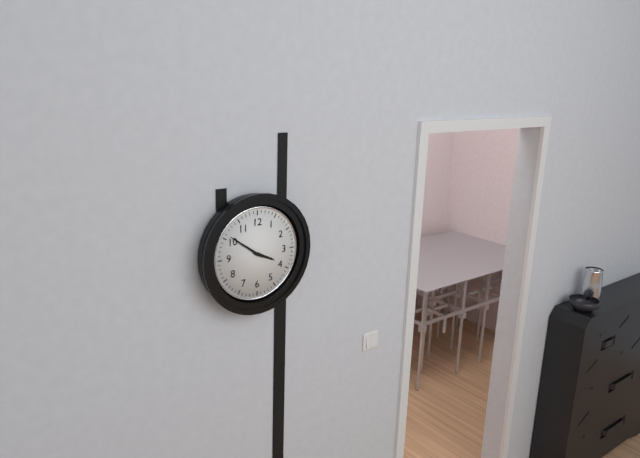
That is 3 h 51 min
